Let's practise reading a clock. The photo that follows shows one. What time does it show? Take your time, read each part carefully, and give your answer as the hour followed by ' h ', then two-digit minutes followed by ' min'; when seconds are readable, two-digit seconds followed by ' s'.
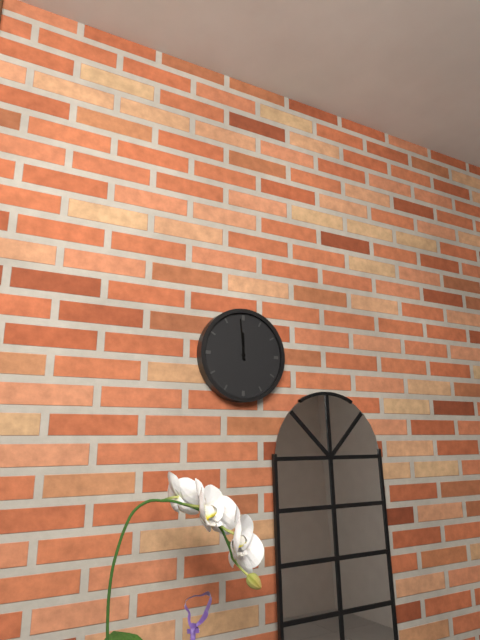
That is 11 h 59 min
